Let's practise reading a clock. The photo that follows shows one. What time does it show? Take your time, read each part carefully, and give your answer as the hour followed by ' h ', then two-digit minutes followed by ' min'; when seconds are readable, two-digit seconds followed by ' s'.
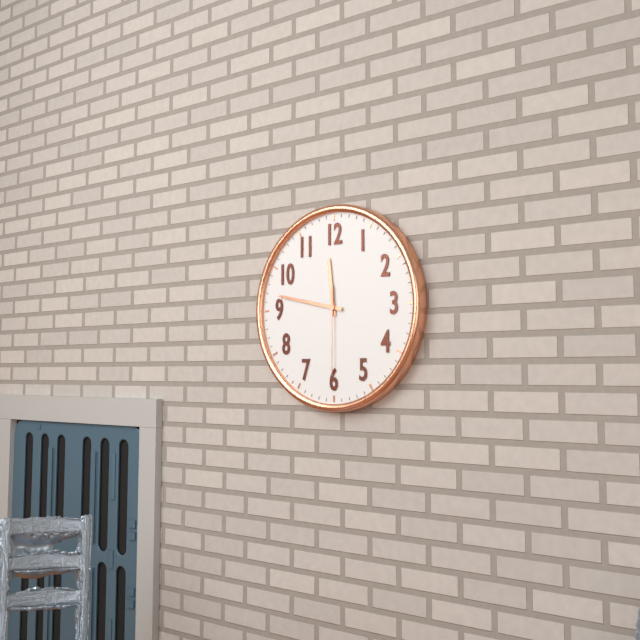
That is 11 h 47 min 30 s
